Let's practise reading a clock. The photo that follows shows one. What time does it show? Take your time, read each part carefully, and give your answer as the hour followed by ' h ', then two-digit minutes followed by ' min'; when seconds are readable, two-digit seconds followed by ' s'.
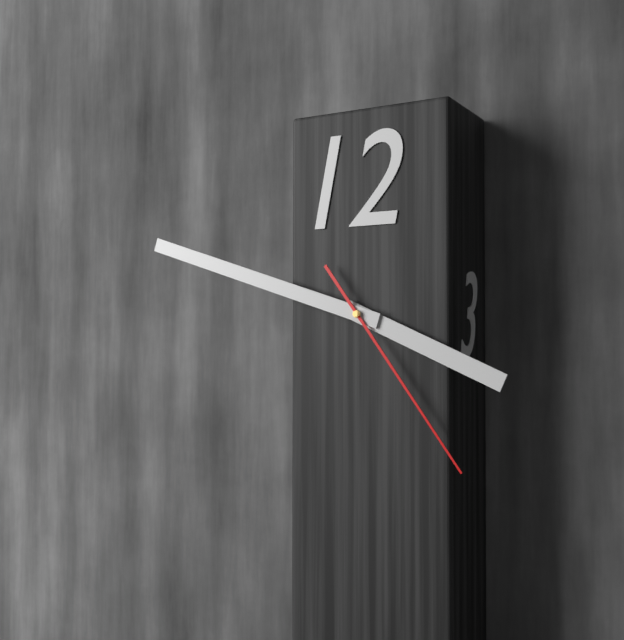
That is 3 h 48 min 24 s
